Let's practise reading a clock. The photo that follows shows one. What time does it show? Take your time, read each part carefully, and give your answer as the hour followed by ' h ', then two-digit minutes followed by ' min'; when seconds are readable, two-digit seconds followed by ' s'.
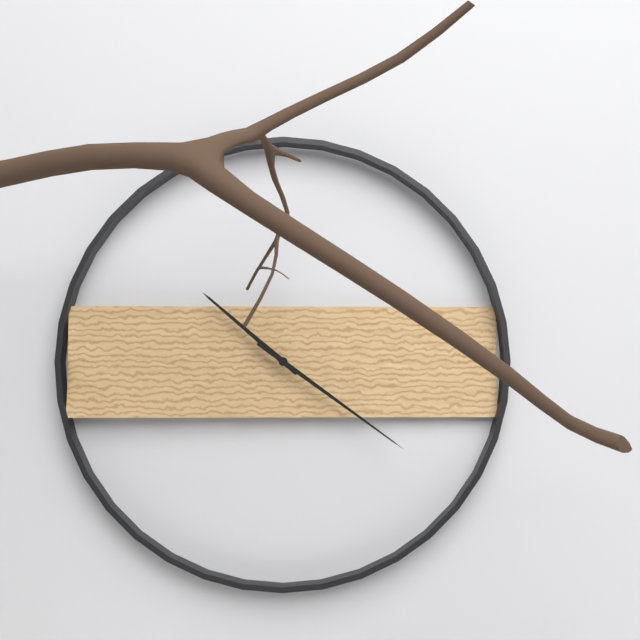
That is 10 h 21 min
